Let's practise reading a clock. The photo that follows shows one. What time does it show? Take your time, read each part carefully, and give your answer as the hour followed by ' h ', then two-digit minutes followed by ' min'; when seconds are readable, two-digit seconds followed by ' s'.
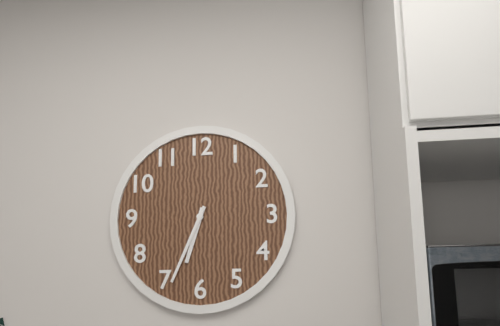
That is 6 h 34 min
